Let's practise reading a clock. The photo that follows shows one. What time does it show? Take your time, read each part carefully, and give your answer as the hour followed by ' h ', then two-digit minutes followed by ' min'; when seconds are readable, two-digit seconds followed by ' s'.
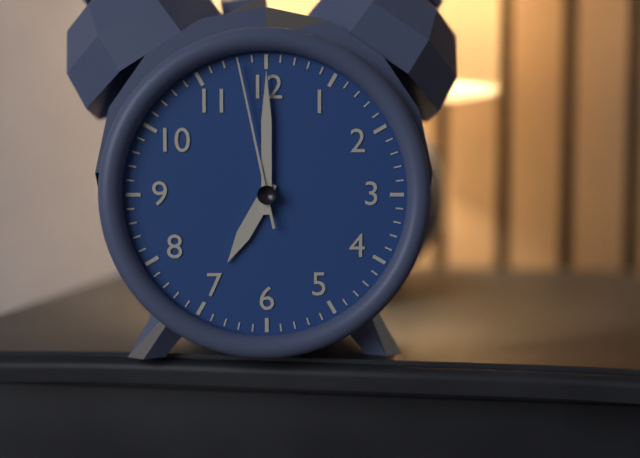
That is 7 h 00 min 58 s
